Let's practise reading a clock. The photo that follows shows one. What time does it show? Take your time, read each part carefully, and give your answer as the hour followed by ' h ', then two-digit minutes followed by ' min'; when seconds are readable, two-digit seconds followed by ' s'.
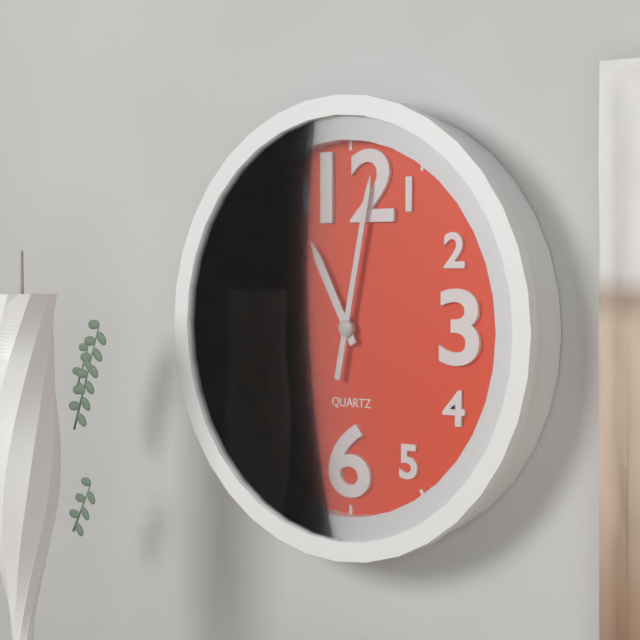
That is 11 h 02 min
